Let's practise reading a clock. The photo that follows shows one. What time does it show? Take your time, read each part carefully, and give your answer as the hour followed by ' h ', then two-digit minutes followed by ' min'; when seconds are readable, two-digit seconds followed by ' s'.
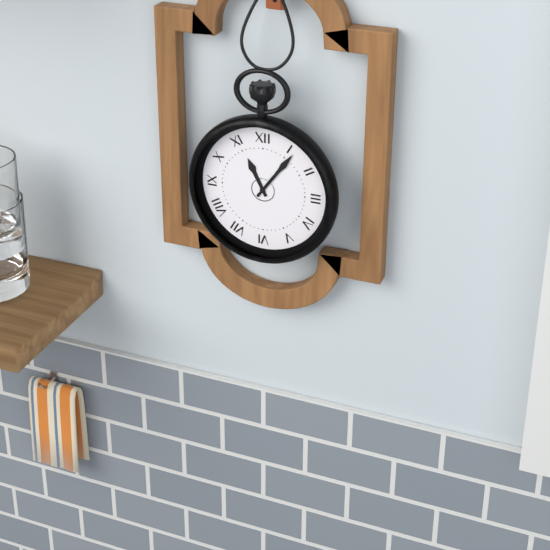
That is 11 h 06 min
